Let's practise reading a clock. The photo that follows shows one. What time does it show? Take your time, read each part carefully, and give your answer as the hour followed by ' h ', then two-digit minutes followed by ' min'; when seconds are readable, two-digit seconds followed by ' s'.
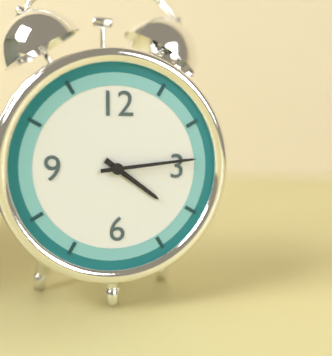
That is 4 h 14 min
